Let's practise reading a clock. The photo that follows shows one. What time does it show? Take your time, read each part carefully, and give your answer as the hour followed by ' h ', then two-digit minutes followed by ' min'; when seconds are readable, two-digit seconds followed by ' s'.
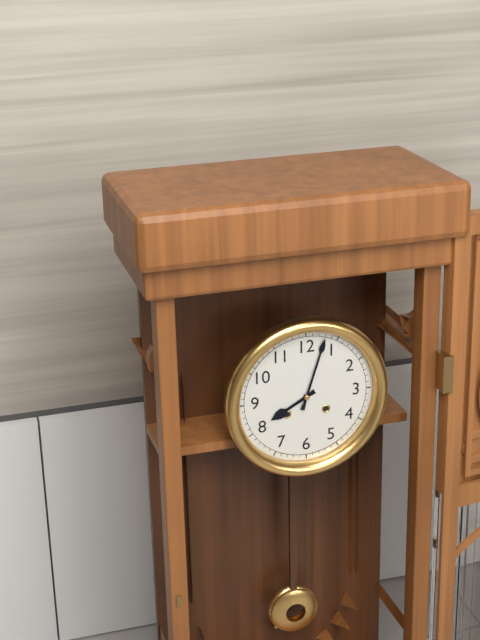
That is 8 h 03 min
